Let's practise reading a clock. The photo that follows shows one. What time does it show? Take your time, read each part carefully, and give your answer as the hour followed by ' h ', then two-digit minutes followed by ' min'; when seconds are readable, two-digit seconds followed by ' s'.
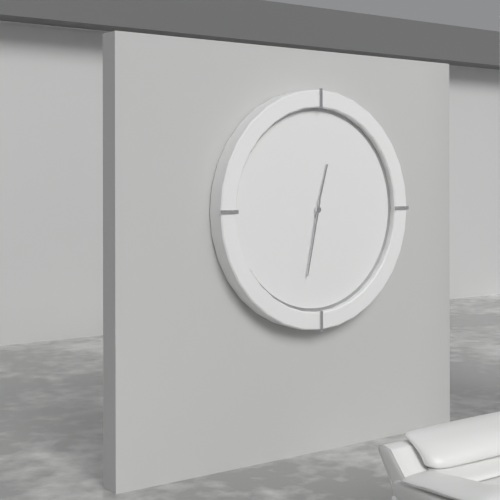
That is 12 h 32 min
